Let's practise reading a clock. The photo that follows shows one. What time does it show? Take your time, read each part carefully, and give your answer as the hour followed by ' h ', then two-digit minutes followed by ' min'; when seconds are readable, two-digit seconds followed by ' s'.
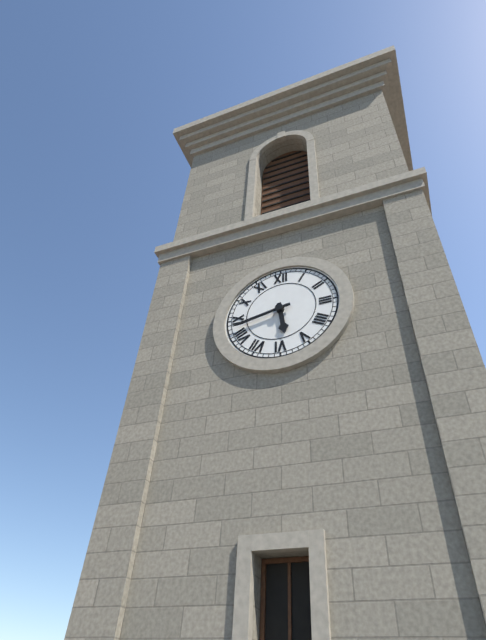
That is 5 h 43 min
